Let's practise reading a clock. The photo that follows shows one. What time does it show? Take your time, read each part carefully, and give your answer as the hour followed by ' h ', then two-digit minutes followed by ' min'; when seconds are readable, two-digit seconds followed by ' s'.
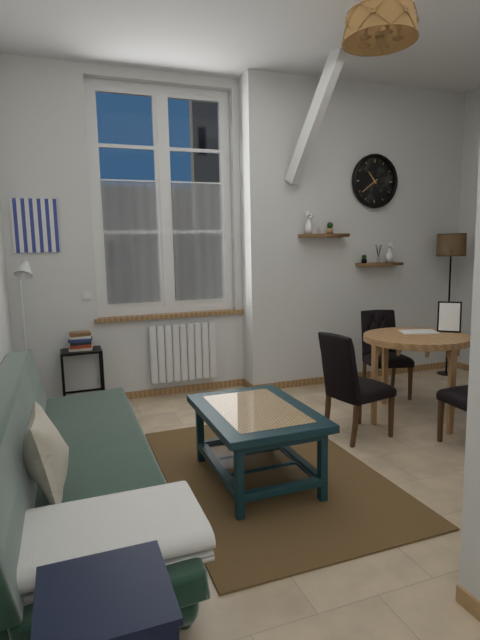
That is 10 h 39 min
